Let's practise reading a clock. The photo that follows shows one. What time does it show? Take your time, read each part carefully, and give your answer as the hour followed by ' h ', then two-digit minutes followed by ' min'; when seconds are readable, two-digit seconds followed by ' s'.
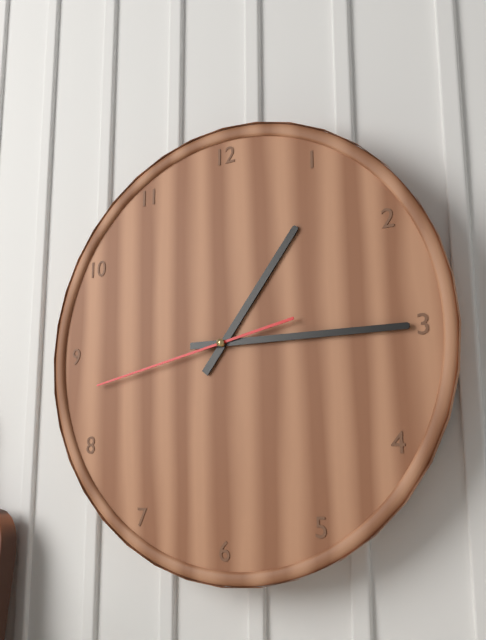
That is 1 h 15 min 43 s
